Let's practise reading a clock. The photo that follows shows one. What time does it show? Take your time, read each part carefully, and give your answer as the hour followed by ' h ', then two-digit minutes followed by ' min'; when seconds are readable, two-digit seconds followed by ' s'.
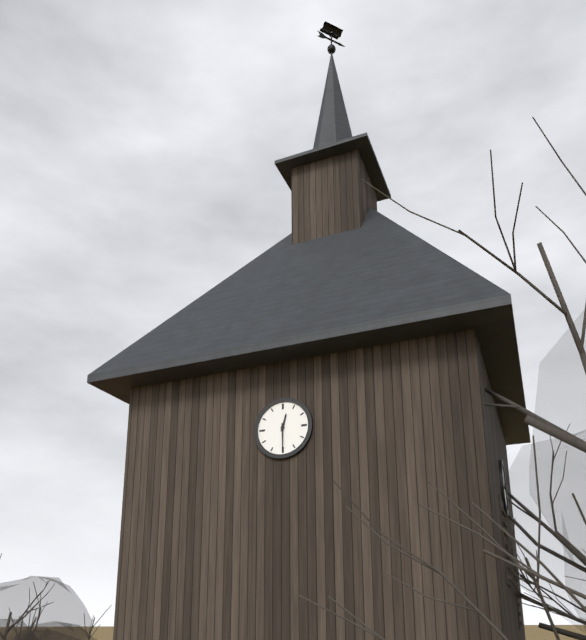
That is 12 h 30 min
